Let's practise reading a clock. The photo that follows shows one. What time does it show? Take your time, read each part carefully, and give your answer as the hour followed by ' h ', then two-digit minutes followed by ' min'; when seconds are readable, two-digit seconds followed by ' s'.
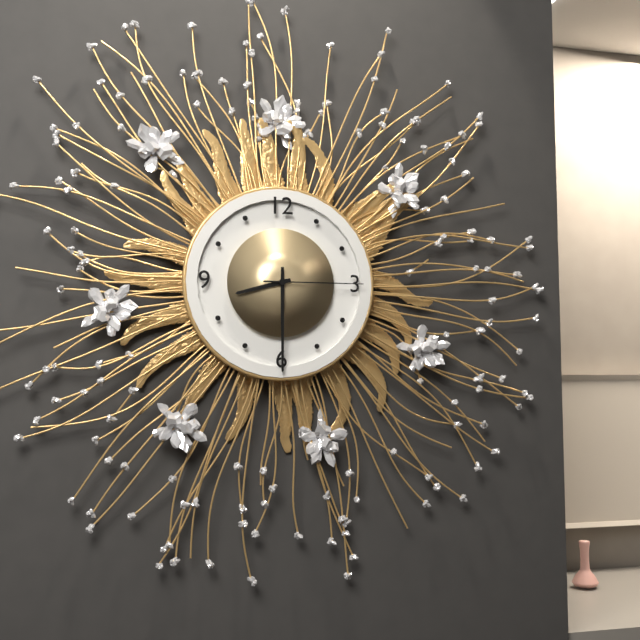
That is 8 h 30 min 15 s
